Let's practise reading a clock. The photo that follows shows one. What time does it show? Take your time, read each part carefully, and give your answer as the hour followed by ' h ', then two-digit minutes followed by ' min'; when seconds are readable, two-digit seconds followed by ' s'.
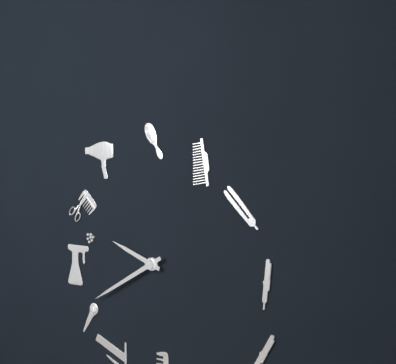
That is 9 h 40 min
